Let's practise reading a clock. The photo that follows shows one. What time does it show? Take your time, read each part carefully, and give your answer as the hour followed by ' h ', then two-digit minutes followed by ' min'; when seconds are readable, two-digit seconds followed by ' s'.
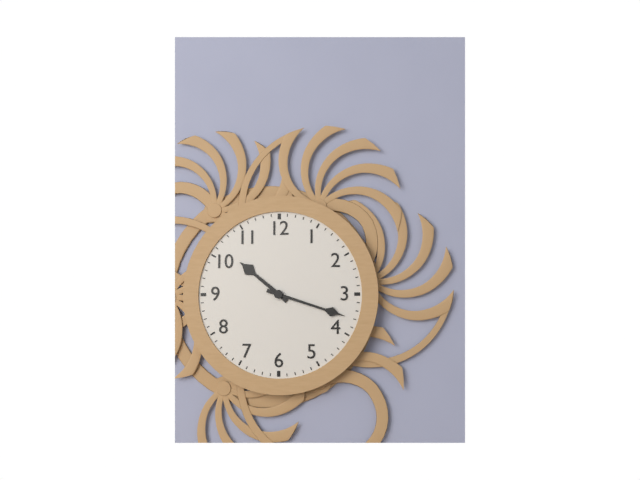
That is 10 h 18 min
